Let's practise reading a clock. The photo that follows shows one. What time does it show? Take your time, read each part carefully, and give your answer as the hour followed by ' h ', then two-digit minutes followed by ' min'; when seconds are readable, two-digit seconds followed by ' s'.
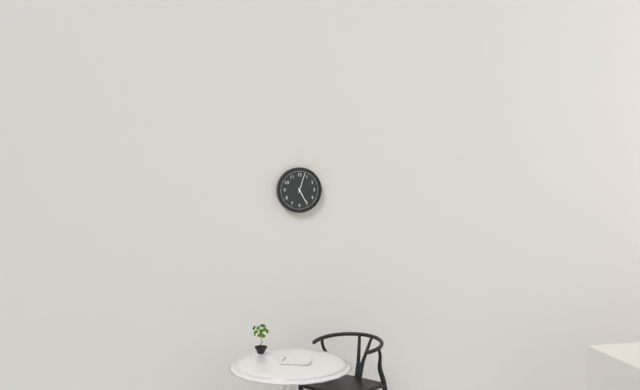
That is 5 h 03 min
